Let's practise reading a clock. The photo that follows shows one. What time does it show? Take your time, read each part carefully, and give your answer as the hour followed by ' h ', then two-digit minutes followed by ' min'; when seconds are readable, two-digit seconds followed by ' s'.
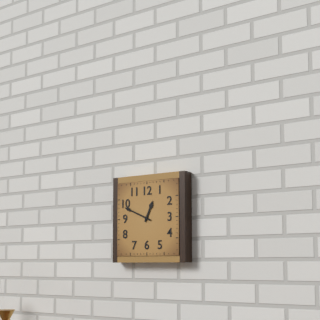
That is 12 h 49 min
